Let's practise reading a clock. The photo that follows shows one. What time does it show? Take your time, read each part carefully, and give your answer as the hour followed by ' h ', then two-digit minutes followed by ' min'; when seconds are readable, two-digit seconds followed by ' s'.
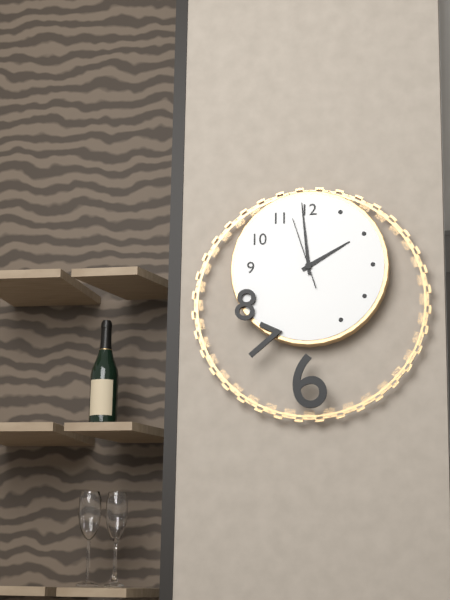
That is 1 h 59 min 57 s
